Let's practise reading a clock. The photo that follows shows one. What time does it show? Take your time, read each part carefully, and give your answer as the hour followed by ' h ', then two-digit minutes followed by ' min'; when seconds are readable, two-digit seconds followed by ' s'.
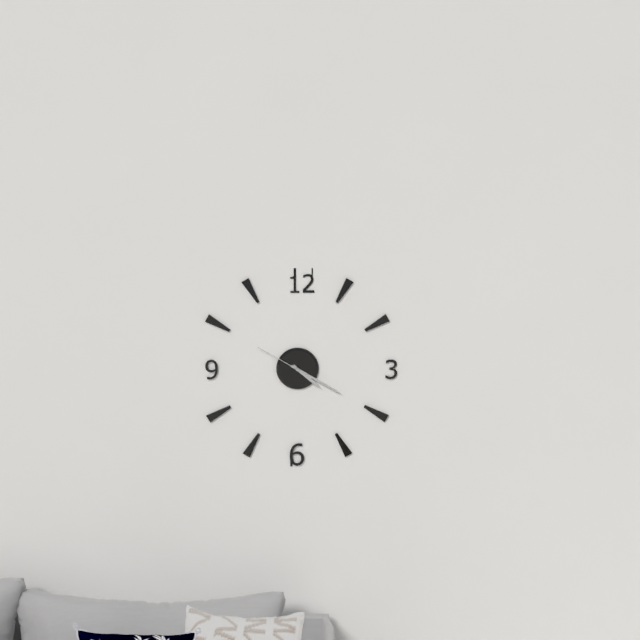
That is 4 h 20 min 50 s
